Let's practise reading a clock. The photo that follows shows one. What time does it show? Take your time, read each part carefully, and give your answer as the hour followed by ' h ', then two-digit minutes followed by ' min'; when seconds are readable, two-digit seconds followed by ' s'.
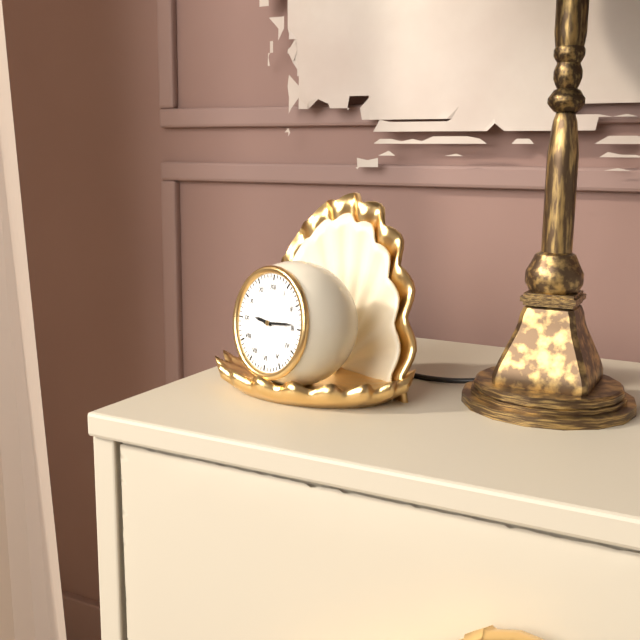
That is 9 h 14 min
